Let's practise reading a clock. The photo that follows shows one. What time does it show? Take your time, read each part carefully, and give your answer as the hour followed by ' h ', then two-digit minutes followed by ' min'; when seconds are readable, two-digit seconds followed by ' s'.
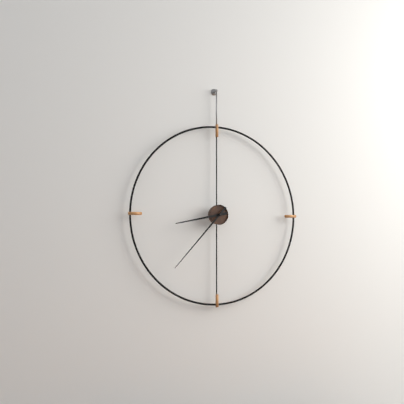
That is 8 h 37 min
